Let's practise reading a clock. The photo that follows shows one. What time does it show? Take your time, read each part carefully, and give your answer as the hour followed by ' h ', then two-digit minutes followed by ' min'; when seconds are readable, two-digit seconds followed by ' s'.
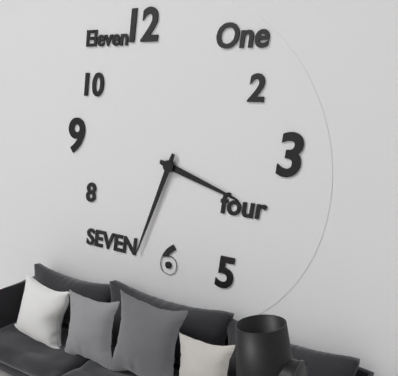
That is 3 h 34 min
